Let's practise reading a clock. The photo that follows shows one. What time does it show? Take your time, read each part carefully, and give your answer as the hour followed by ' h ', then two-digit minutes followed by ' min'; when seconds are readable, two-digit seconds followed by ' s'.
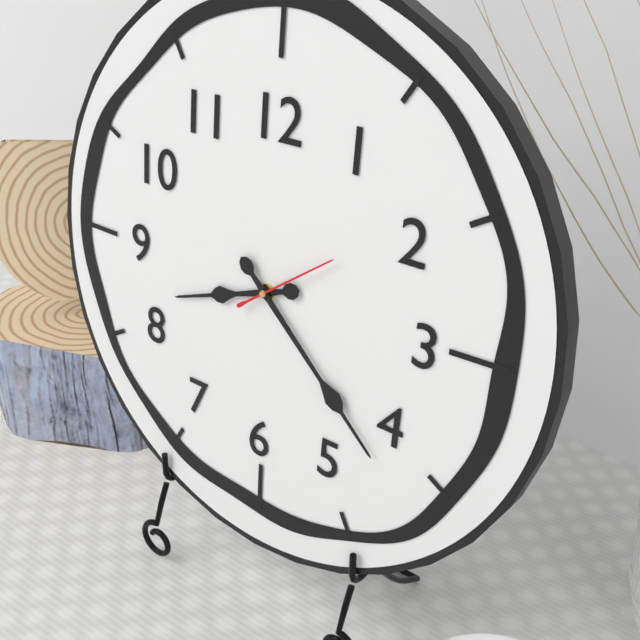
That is 8 h 22 min 09 s
